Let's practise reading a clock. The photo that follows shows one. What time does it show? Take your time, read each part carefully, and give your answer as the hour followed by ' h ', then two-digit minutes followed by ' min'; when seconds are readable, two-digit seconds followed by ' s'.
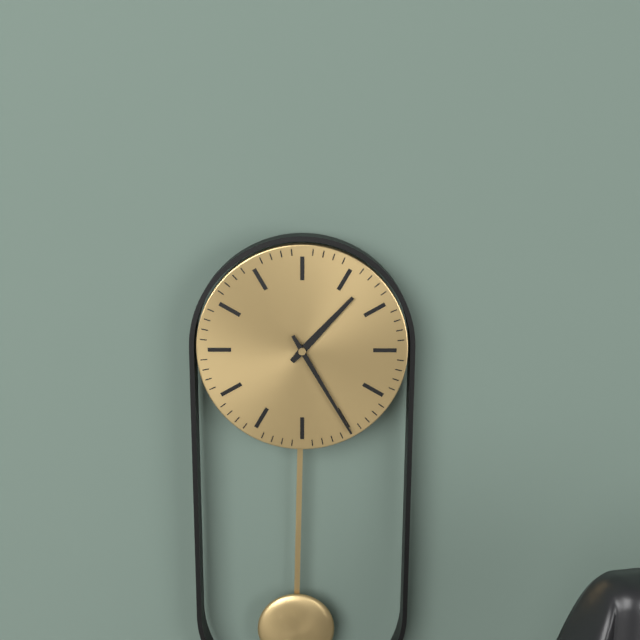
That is 1 h 25 min
